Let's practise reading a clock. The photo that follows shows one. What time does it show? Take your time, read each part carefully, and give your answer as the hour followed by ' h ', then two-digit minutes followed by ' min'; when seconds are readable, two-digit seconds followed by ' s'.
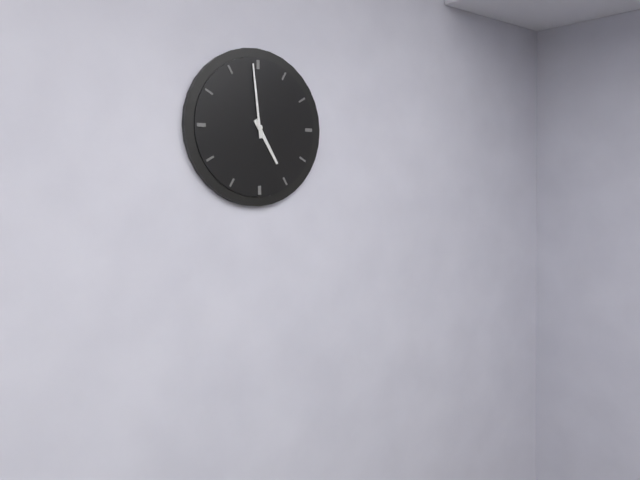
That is 4 h 59 min
